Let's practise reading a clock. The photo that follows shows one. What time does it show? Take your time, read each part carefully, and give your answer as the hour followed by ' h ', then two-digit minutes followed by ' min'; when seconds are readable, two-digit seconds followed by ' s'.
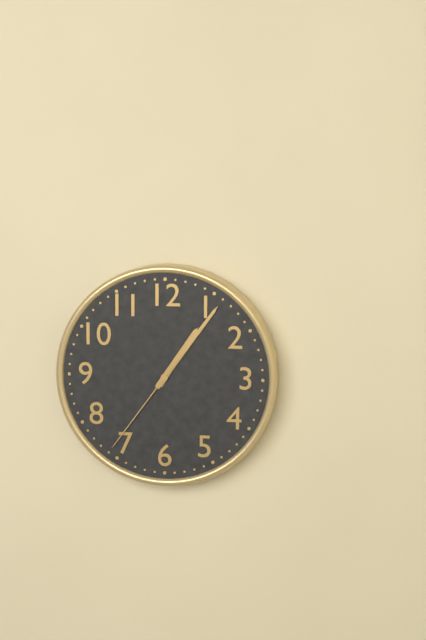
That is 1 h 06 min 36 s
